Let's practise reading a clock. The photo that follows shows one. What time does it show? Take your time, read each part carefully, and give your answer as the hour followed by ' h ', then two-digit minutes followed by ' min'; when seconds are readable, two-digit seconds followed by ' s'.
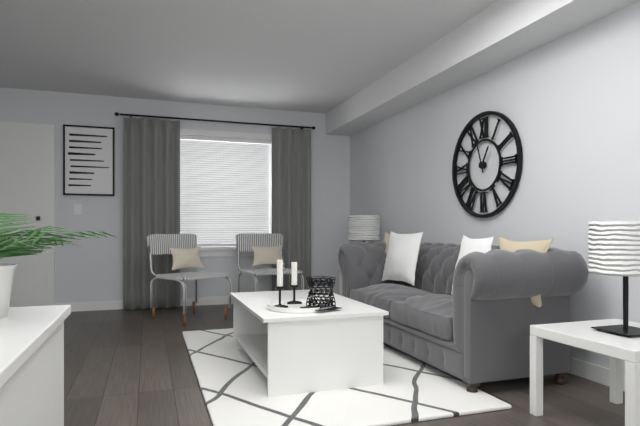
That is 12 h 57 min
